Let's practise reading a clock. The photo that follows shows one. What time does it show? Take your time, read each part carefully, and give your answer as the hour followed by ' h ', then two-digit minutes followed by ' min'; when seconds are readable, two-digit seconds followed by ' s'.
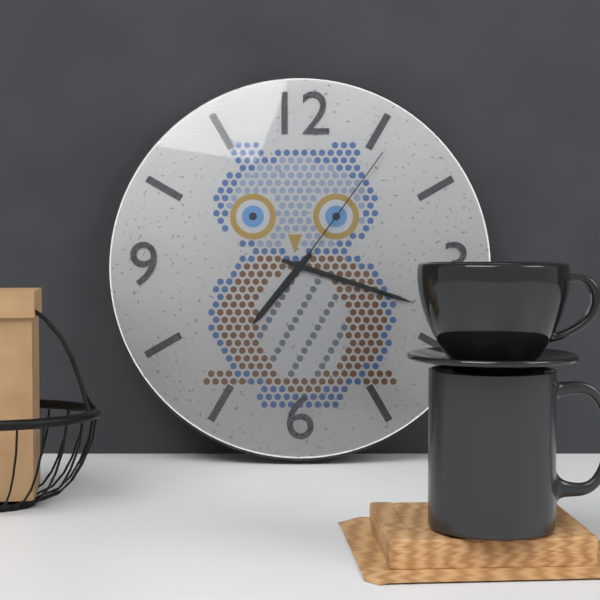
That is 7 h 18 min 06 s
